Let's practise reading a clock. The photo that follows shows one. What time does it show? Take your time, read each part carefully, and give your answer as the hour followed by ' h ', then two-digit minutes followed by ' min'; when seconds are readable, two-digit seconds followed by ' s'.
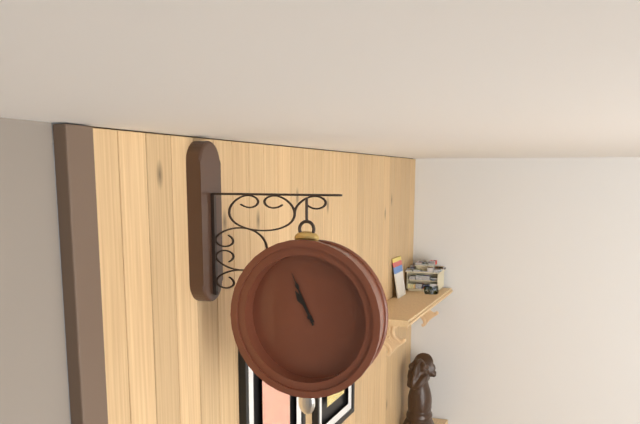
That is 10 h 56 min
